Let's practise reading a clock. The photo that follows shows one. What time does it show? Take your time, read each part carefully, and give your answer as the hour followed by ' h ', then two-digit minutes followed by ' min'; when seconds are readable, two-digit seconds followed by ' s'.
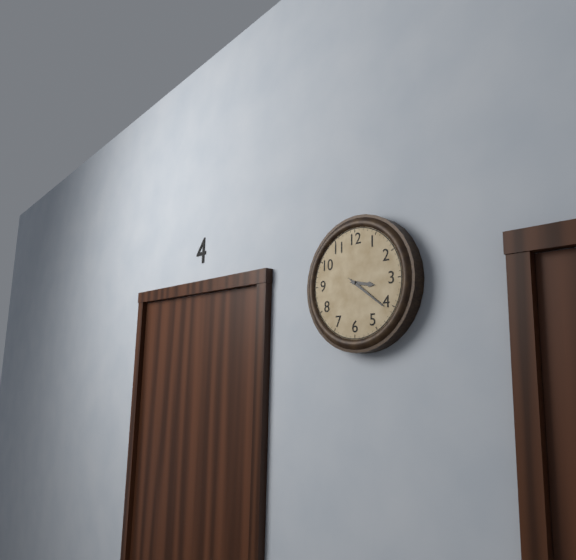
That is 3 h 21 min
